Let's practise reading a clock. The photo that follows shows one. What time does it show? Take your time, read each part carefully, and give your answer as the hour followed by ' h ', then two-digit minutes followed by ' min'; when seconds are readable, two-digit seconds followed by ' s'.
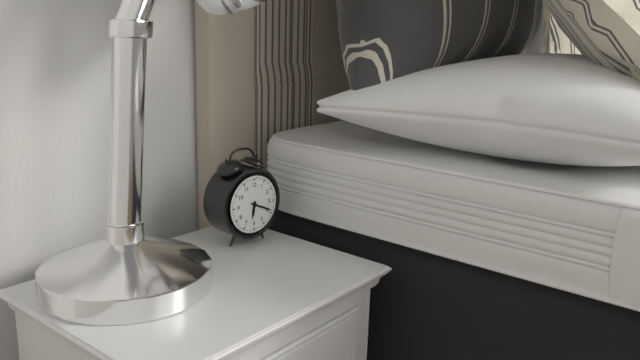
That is 6 h 19 min
